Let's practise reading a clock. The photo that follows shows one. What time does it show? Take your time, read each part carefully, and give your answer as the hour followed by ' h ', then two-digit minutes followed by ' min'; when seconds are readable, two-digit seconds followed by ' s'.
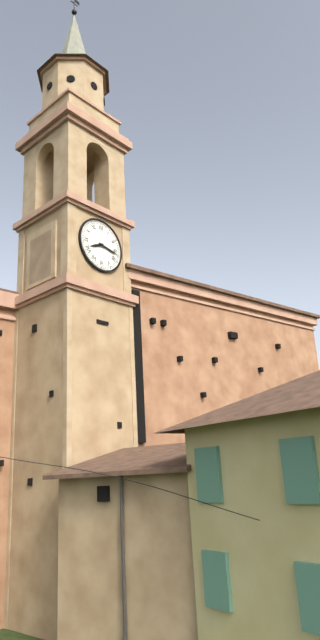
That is 8 h 17 min
